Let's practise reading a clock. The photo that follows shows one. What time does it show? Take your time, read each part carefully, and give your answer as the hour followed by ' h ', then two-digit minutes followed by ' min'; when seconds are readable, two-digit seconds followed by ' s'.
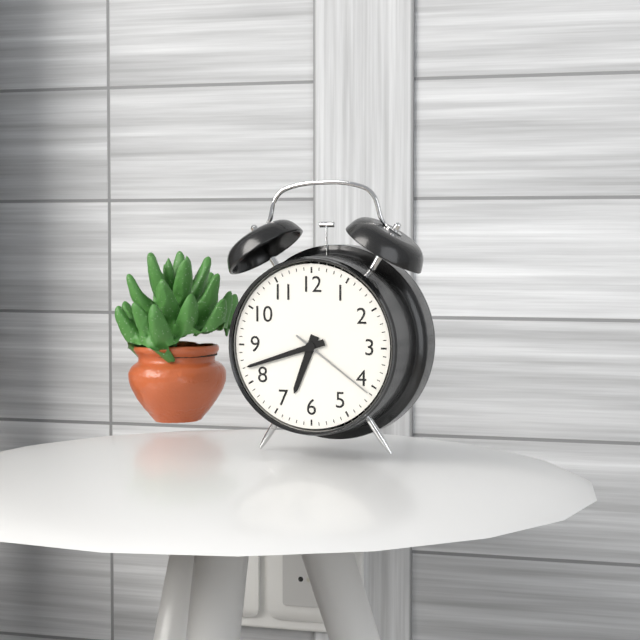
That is 6 h 42 min 21 s
